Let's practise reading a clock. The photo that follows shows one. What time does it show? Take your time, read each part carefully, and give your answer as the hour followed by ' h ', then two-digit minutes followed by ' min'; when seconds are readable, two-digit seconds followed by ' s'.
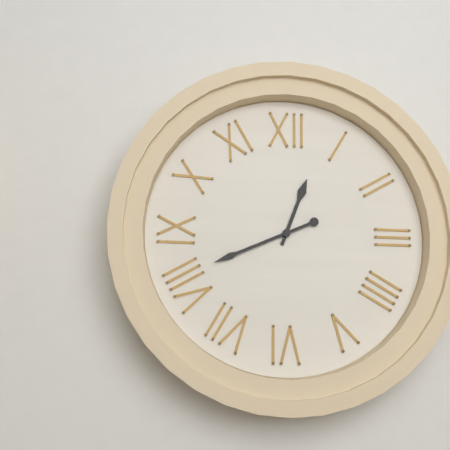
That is 12 h 41 min
